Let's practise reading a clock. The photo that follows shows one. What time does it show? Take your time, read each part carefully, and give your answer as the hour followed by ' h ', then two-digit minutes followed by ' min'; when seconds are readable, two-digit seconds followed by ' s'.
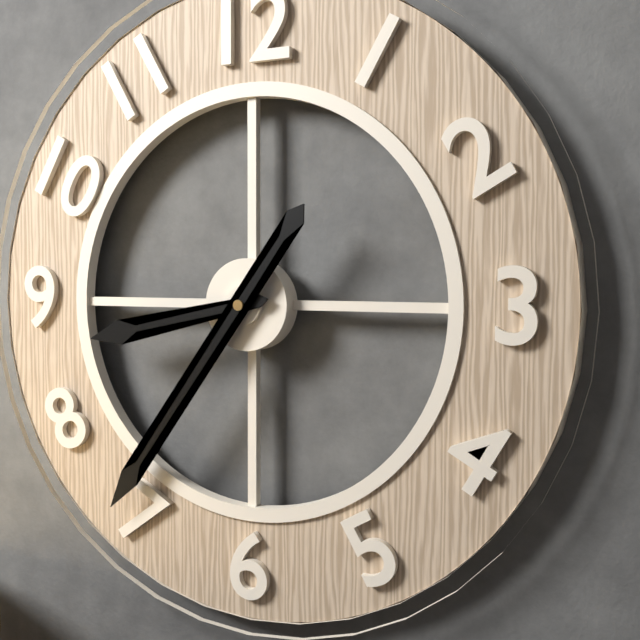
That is 8 h 36 min
